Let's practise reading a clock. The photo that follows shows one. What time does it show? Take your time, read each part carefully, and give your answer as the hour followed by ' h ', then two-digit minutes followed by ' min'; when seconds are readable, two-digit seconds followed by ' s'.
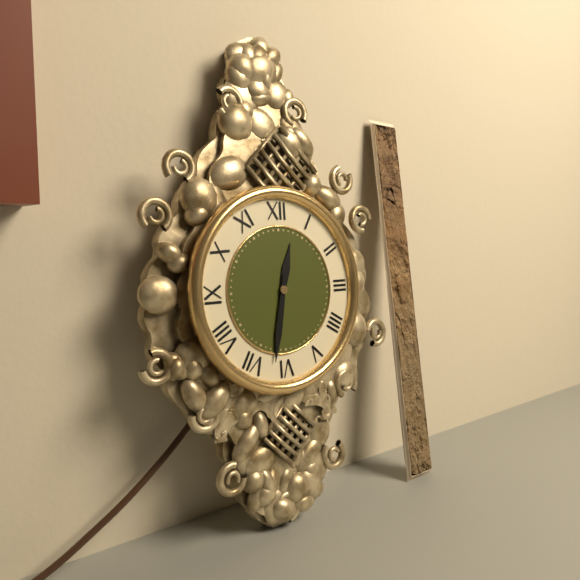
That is 12 h 32 min
